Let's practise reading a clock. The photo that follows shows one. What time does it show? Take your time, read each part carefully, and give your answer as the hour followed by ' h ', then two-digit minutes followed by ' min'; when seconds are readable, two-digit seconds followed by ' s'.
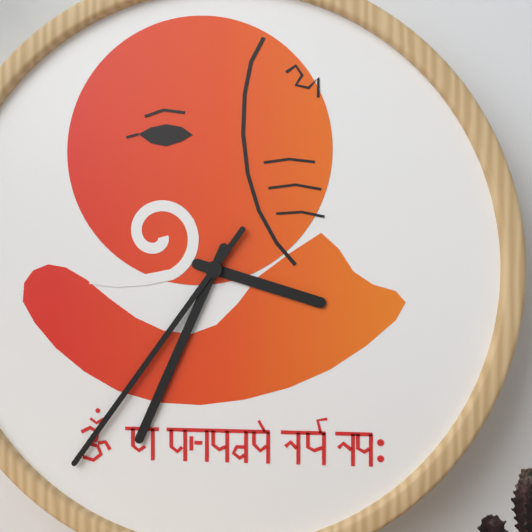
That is 3 h 34 min 36 s
